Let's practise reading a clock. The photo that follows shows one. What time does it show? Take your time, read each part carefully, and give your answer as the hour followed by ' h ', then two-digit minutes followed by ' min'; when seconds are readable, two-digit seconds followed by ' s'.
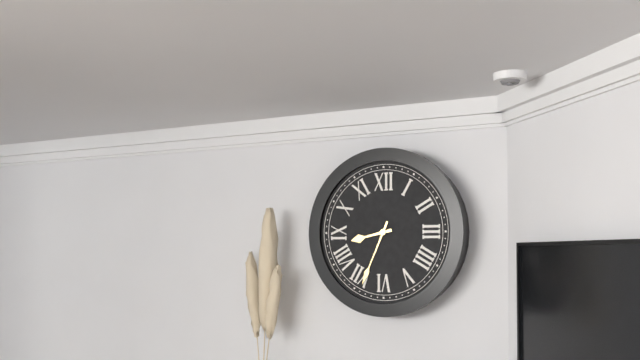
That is 8 h 34 min
